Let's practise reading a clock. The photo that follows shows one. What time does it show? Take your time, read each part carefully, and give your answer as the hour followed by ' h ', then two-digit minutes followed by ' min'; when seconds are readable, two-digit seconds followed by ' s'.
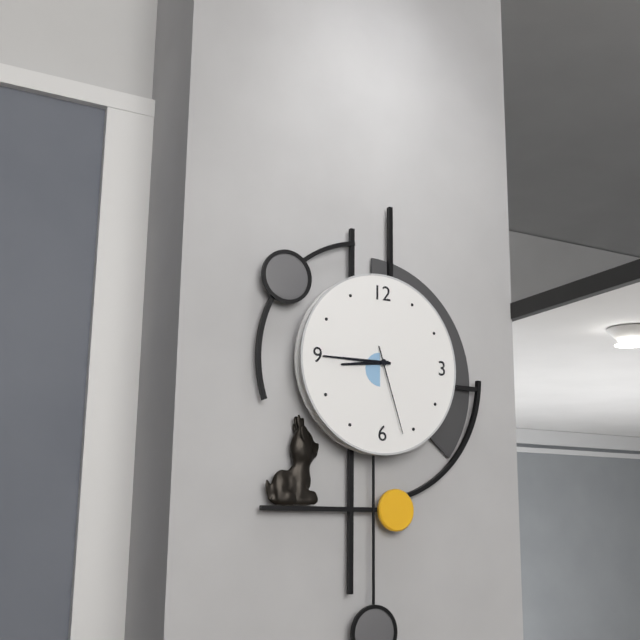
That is 8 h 45 min 27 s
